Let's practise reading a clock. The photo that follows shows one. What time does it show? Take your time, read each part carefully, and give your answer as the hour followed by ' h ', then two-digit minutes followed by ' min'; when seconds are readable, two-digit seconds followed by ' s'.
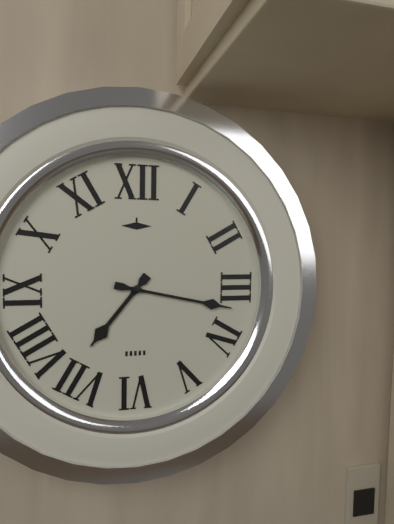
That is 7 h 17 min
